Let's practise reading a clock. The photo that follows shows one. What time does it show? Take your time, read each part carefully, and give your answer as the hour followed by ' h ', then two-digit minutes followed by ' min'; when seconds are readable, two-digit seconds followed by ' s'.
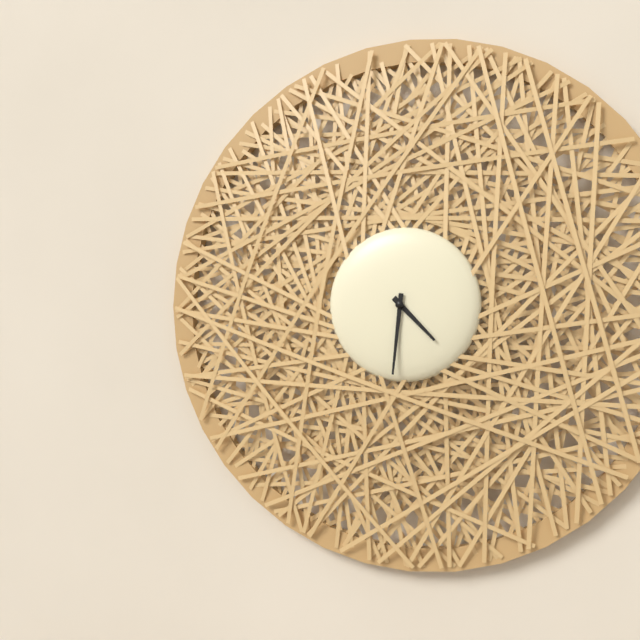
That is 4 h 31 min
